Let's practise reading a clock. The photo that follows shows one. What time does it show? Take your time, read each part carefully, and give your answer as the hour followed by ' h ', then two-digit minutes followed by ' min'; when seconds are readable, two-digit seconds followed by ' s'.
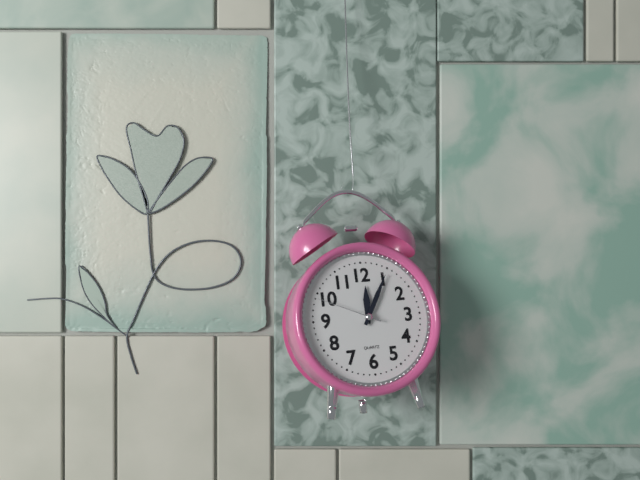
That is 12 h 05 min 49 s
